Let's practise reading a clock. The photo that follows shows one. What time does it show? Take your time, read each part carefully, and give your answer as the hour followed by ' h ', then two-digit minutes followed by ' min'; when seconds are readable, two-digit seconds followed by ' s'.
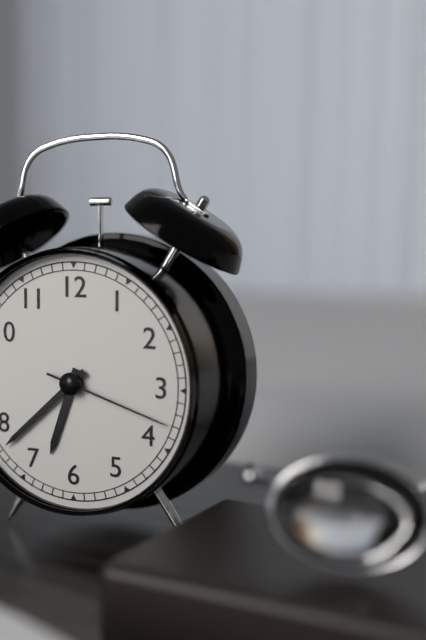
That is 6 h 38 min 18 s
